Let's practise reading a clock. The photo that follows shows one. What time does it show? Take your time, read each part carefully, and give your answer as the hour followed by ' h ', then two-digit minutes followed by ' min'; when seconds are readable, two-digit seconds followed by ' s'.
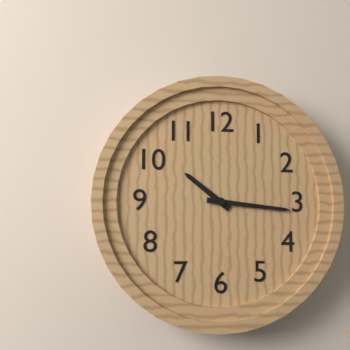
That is 10 h 16 min
